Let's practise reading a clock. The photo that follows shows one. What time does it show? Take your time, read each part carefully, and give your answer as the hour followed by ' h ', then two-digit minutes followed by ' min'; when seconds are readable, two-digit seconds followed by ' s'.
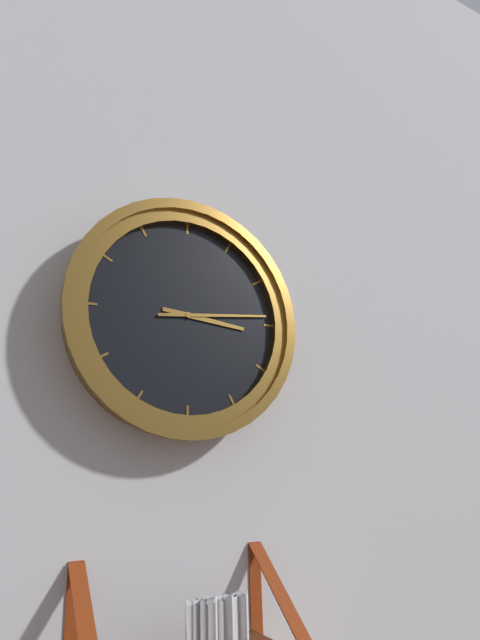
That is 3 h 14 min
